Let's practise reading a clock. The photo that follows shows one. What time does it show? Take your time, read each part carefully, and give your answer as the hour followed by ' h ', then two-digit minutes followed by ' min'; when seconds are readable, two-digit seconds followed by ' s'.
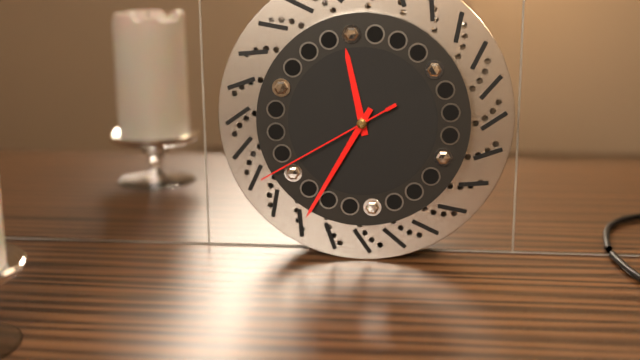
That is 11 h 35 min 40 s
